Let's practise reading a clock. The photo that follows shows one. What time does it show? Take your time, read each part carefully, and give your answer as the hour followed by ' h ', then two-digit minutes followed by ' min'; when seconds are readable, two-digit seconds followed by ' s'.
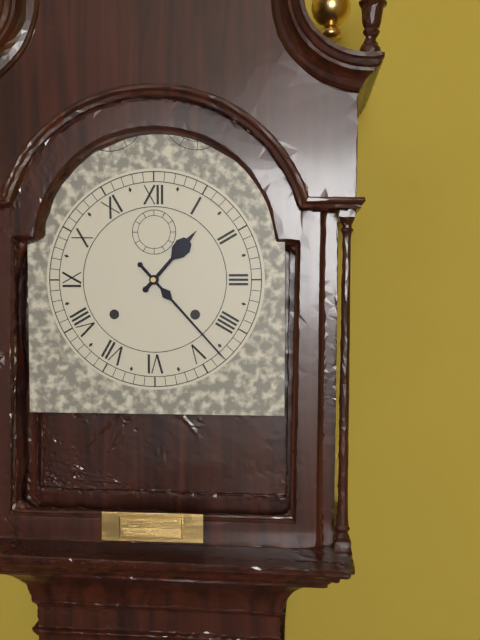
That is 1 h 23 min
